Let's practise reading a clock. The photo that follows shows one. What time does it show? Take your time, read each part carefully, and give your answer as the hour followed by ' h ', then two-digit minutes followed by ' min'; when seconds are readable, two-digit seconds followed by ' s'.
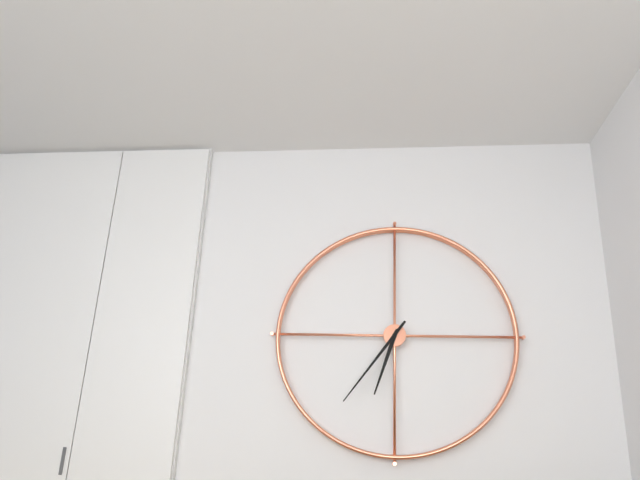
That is 6 h 36 min
